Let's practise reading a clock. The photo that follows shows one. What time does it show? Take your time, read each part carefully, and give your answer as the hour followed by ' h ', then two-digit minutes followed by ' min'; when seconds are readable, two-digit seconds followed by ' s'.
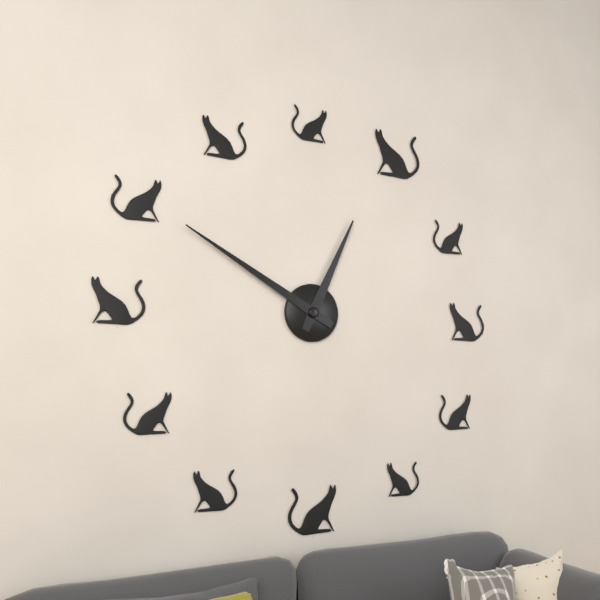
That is 12 h 50 min
